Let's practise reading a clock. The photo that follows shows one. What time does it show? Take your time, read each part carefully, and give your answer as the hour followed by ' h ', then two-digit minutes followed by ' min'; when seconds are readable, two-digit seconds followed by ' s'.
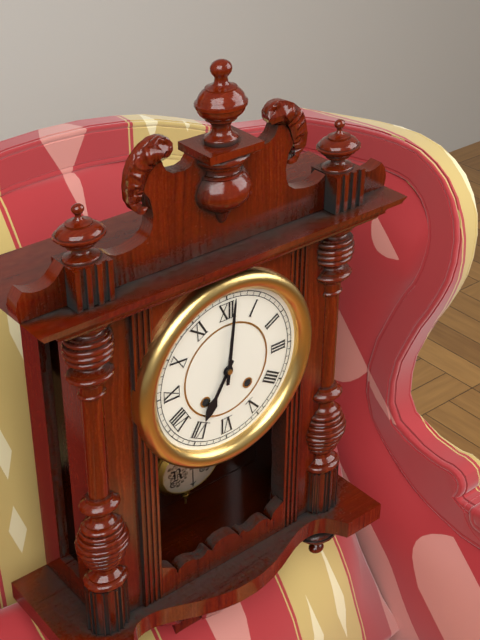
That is 7 h 01 min
